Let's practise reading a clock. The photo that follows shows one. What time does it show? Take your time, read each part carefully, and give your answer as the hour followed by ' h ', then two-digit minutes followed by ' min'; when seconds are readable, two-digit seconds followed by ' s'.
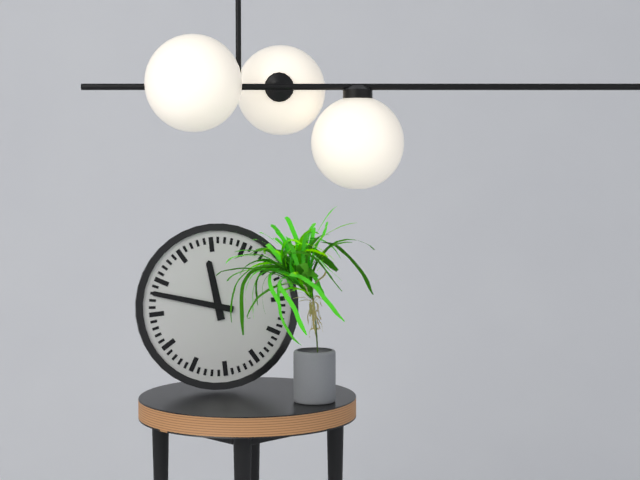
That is 11 h 48 min
